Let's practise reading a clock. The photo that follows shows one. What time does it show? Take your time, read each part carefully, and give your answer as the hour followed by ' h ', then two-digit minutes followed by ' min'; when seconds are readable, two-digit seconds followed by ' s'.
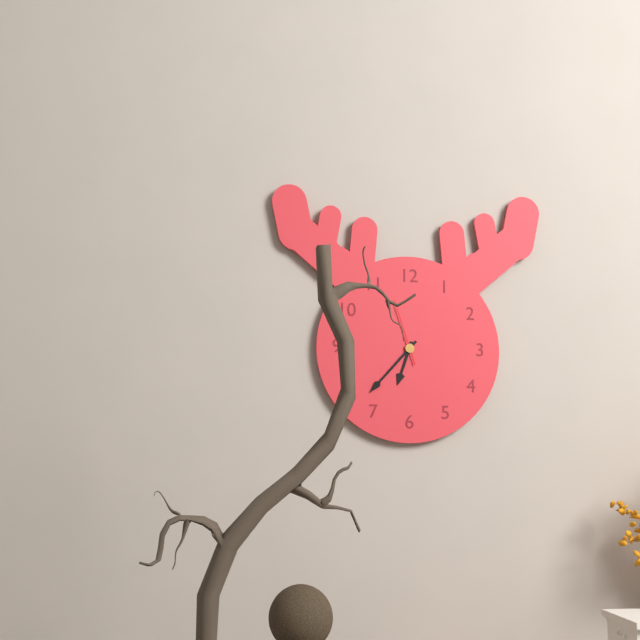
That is 6 h 37 min 57 s
